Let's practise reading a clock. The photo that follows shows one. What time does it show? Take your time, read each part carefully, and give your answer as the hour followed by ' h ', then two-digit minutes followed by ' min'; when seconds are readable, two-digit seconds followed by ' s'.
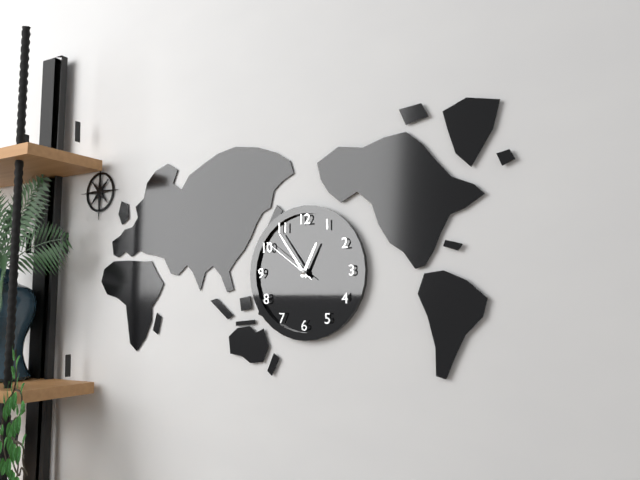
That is 12 h 54 min 51 s
